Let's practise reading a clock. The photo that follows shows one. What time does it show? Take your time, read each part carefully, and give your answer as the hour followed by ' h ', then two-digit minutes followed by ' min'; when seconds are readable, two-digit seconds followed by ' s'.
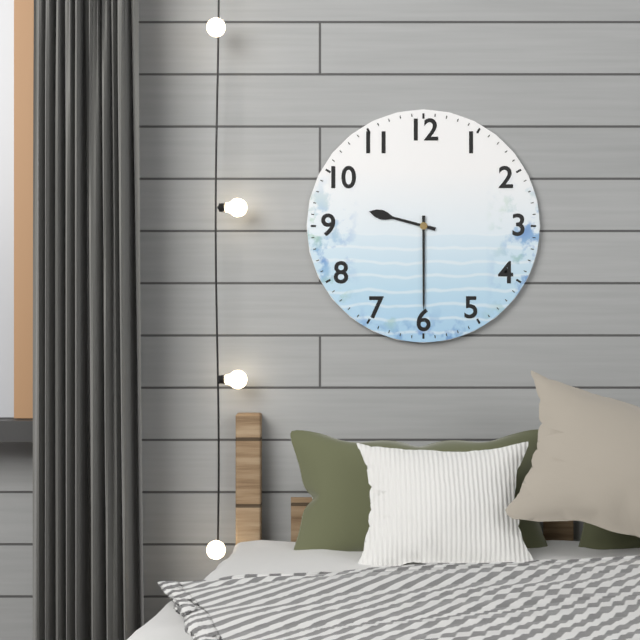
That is 9 h 30 min
